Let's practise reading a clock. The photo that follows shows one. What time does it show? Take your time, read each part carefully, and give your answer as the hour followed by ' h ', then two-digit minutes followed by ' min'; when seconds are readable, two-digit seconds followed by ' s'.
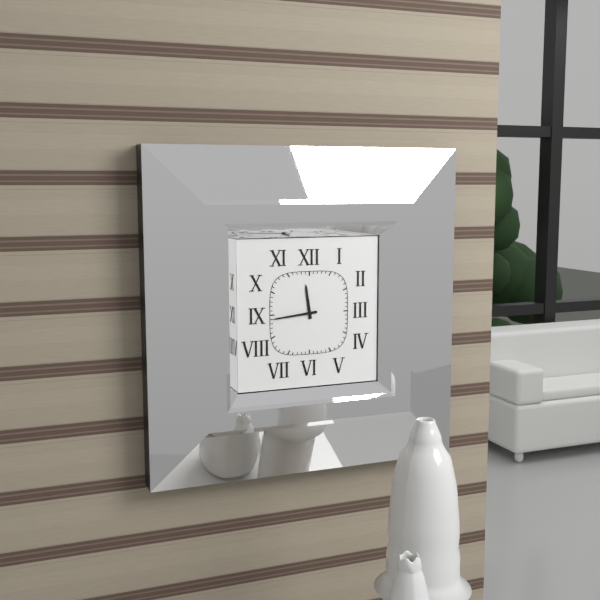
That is 11 h 44 min
